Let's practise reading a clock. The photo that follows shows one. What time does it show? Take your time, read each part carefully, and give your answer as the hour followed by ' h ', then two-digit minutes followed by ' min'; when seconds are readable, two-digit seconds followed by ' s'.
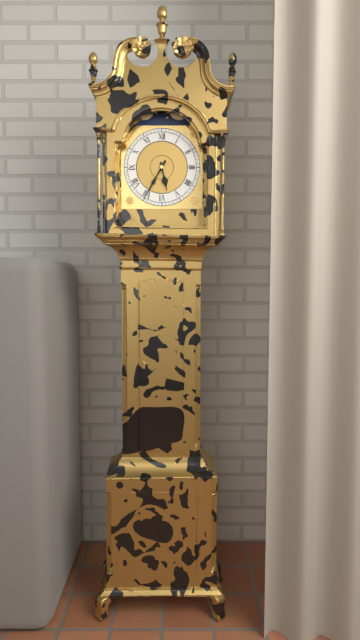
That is 5 h 35 min
